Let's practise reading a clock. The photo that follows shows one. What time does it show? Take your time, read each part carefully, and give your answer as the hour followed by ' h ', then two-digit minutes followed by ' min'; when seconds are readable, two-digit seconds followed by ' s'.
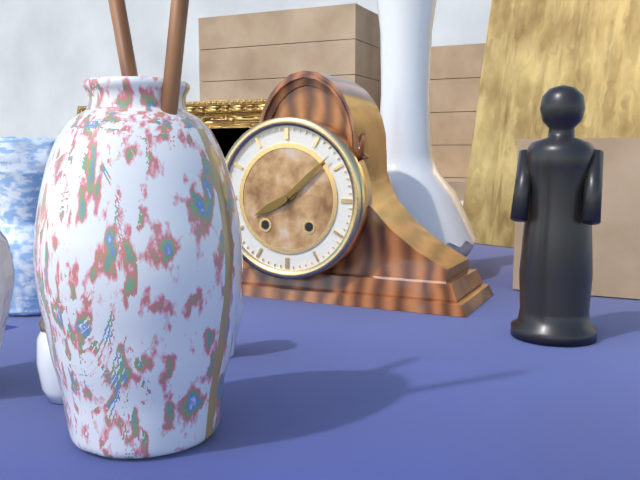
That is 8 h 08 min
